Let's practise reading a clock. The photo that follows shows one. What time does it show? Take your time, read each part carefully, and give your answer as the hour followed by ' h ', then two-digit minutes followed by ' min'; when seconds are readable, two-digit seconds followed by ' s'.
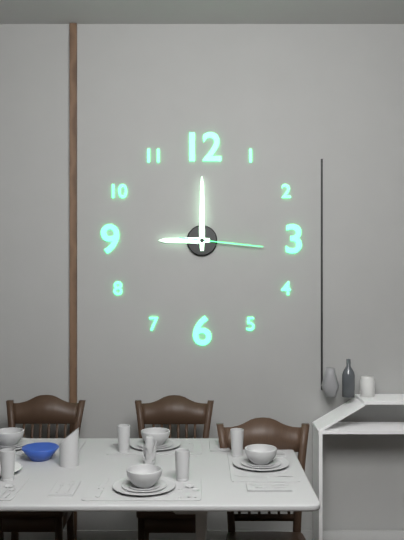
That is 9 h 00 min 16 s
